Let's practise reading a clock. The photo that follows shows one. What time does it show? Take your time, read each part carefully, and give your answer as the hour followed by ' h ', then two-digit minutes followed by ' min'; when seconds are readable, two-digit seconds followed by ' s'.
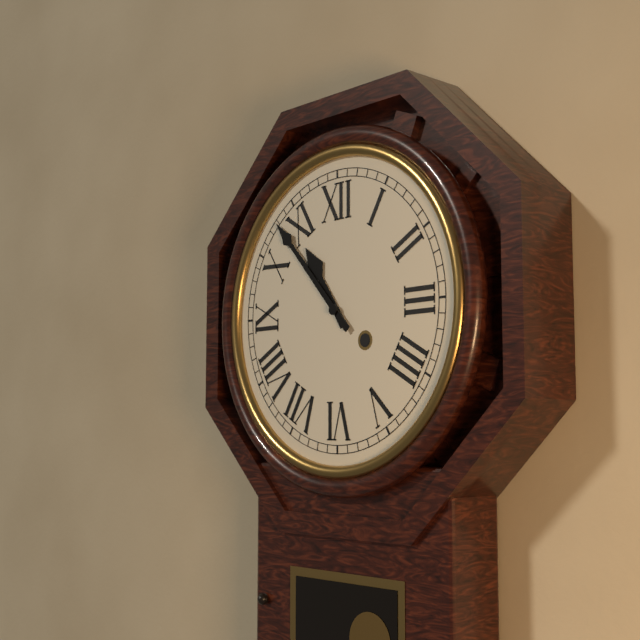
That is 10 h 53 min
